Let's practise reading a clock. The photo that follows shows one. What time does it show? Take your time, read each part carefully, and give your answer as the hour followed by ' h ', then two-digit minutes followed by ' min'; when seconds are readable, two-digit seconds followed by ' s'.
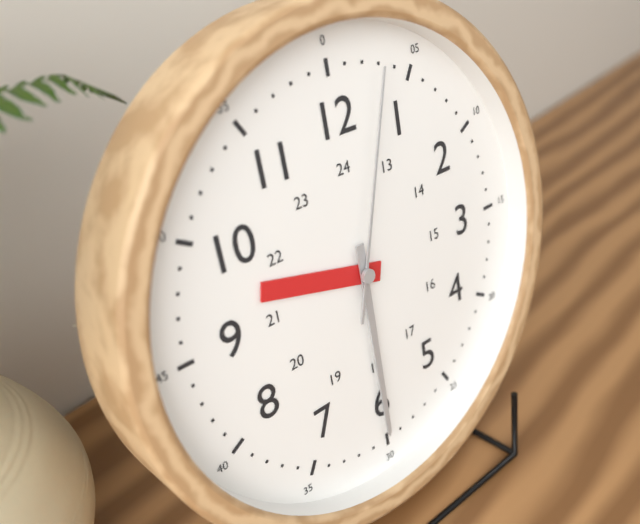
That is 9 h 30 min 03 s
